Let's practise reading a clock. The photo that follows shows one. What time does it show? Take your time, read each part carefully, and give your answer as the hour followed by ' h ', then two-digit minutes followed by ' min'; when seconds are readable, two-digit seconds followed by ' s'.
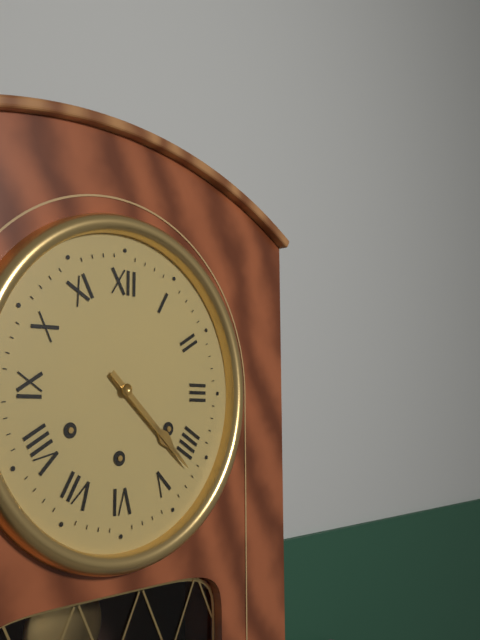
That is 4 h 22 min
